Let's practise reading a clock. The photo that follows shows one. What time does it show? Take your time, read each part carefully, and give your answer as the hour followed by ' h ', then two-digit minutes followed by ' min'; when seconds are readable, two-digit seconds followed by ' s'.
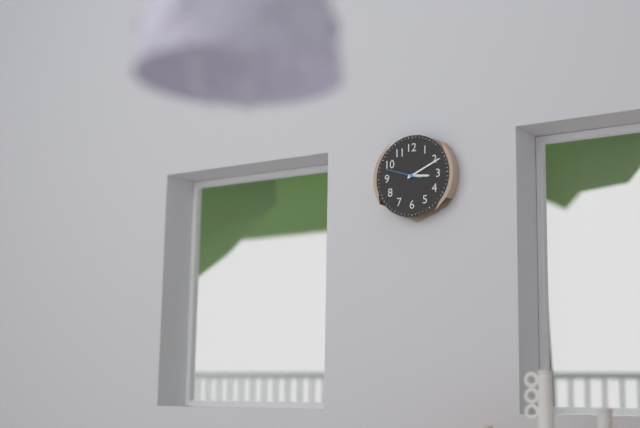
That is 3 h 11 min
